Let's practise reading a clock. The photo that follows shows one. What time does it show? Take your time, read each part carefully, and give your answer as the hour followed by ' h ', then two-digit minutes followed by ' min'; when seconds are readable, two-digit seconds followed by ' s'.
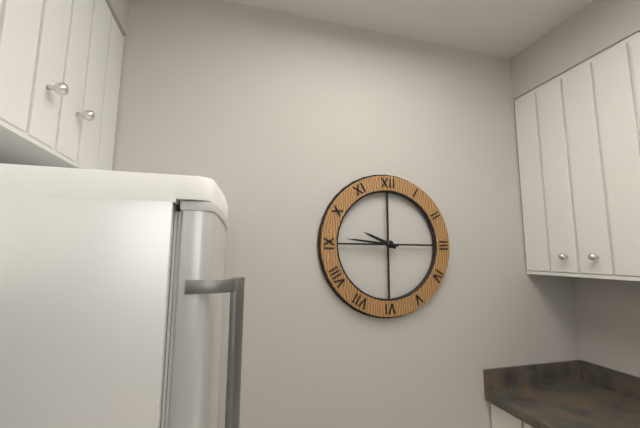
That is 9 h 46 min
